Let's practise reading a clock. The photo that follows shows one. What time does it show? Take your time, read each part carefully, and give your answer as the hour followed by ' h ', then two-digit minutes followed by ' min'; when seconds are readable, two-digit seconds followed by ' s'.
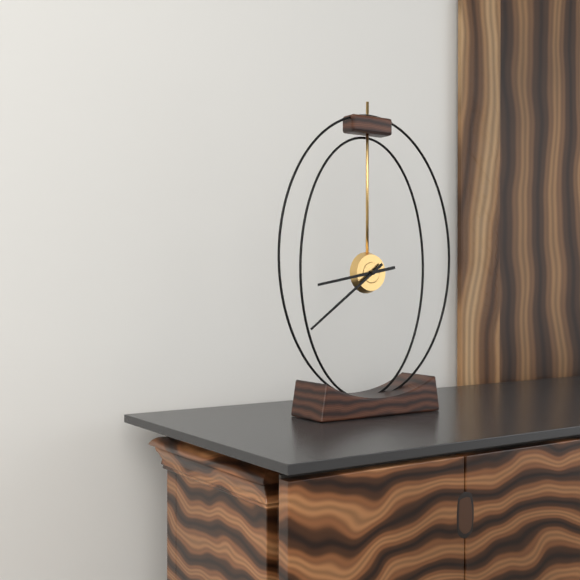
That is 8 h 39 min
